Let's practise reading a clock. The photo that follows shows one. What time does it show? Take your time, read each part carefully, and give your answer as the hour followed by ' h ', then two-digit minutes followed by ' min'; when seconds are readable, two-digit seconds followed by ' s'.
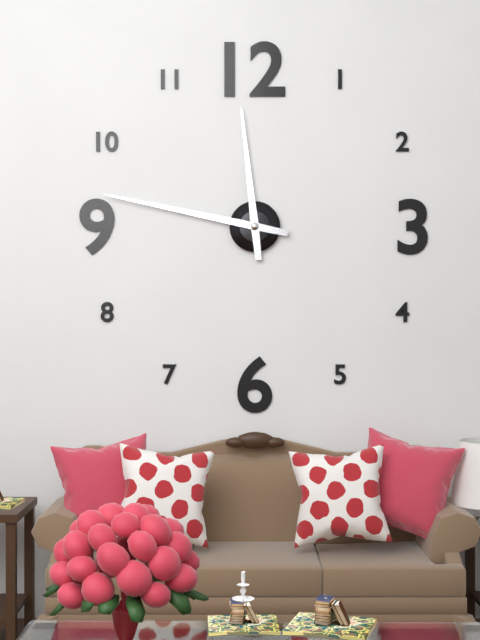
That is 11 h 47 min
